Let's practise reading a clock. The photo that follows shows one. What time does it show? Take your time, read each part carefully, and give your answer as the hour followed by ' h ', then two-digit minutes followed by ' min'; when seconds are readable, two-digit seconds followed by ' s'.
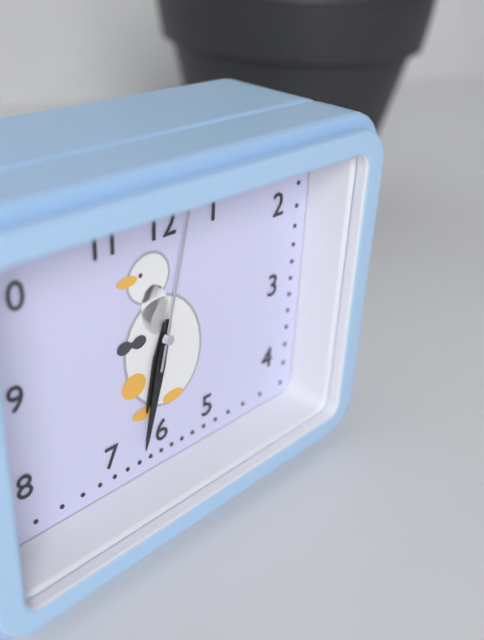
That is 6 h 32 min 02 s
